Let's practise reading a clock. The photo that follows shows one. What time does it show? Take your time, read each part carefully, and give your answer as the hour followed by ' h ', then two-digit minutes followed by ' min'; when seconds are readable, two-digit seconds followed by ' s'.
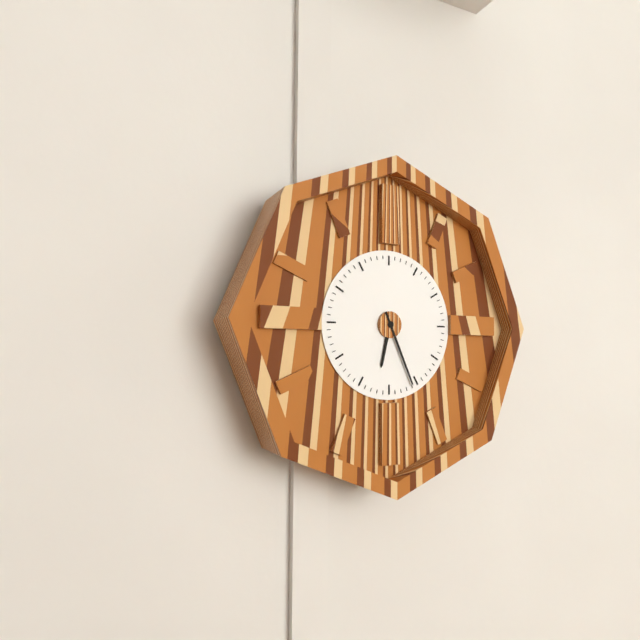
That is 6 h 26 min
